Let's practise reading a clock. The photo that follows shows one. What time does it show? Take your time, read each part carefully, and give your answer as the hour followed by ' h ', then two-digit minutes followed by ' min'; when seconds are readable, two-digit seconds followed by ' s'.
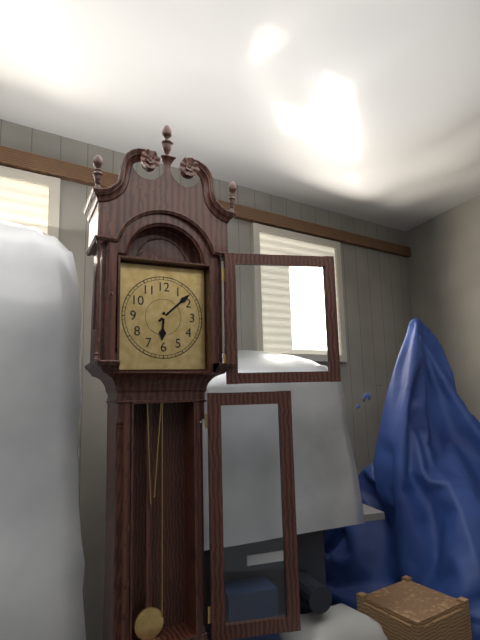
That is 6 h 08 min
